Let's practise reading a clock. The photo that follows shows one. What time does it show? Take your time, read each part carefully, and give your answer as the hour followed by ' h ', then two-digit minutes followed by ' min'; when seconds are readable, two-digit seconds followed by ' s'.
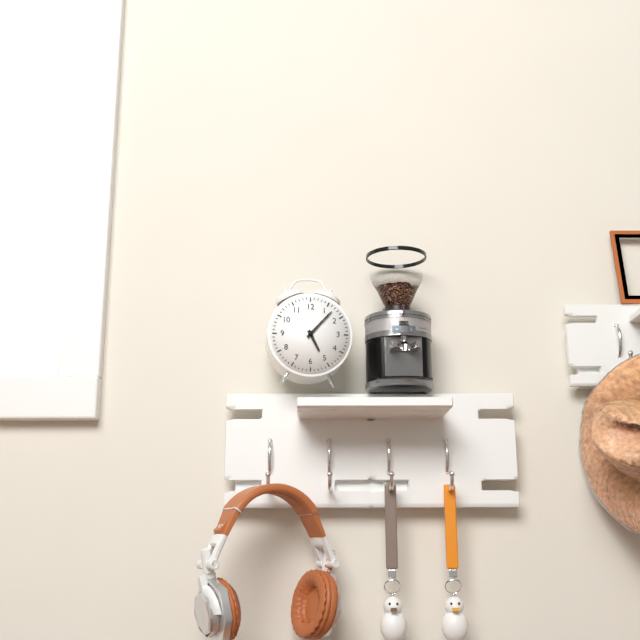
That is 5 h 07 min
